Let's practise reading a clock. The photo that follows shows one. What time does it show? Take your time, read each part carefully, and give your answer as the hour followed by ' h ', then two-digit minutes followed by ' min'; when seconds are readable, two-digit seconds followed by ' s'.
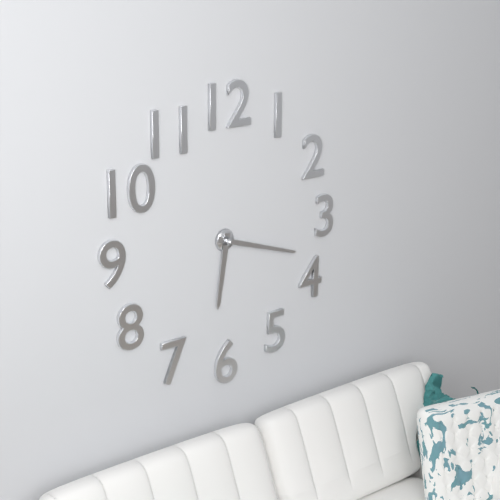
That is 6 h 18 min
